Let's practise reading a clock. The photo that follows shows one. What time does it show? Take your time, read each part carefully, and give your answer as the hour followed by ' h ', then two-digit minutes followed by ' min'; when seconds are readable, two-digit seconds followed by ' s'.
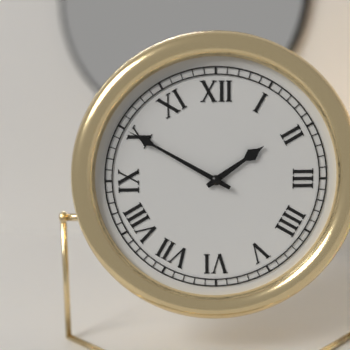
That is 1 h 50 min
